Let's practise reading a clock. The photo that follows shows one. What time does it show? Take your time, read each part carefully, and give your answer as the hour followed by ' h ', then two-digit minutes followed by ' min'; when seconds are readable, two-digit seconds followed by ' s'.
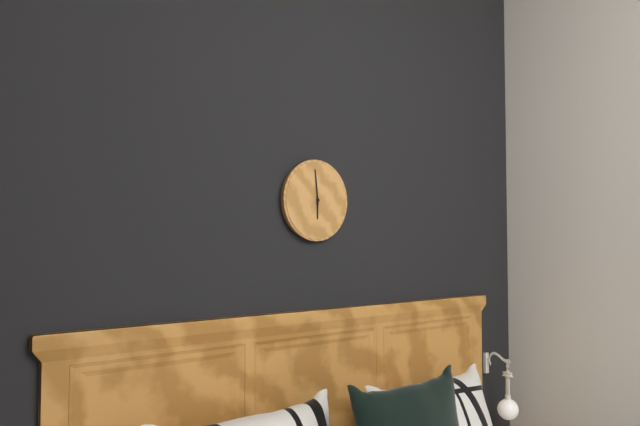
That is 5 h 59 min
